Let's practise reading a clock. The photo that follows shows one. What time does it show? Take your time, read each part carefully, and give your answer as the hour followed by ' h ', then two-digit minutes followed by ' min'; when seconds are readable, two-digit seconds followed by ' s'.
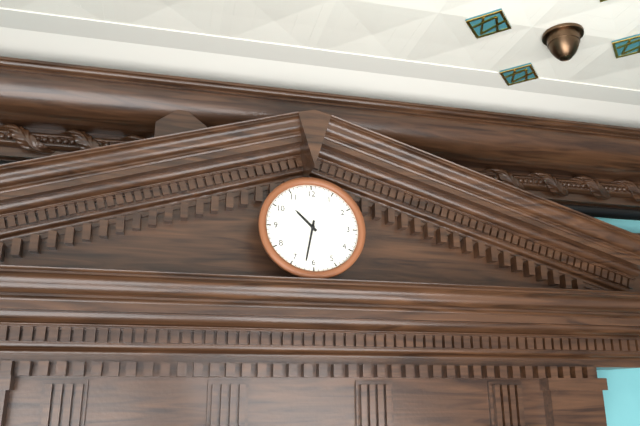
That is 10 h 32 min
